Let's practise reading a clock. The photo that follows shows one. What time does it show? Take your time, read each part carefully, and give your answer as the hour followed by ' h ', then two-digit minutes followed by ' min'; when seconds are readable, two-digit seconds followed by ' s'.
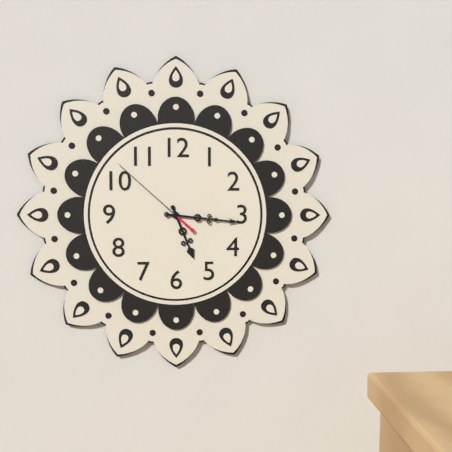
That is 5 h 16 min 52 s
